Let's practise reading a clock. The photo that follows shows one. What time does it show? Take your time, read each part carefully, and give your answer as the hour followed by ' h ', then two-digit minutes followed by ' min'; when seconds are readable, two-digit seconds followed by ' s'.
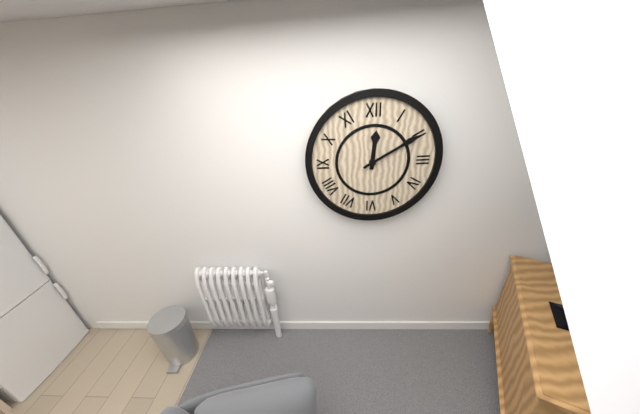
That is 12 h 10 min
